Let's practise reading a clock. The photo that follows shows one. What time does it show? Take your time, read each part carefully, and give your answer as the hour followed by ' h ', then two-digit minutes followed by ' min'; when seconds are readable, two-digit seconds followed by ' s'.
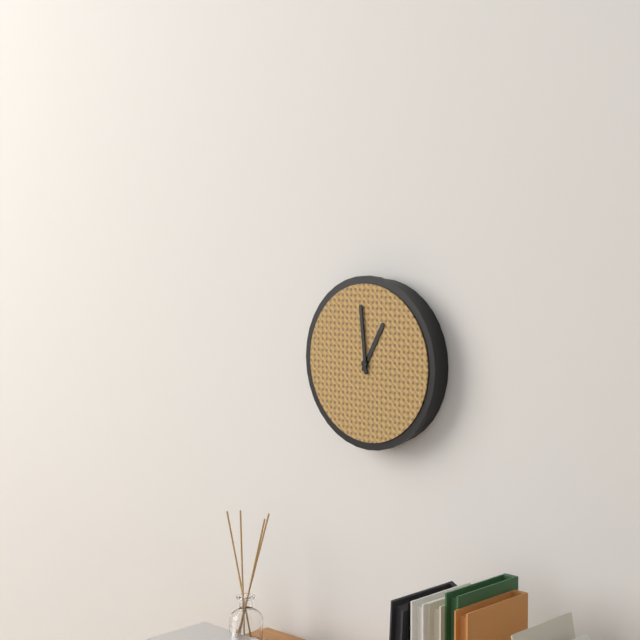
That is 12 h 59 min
